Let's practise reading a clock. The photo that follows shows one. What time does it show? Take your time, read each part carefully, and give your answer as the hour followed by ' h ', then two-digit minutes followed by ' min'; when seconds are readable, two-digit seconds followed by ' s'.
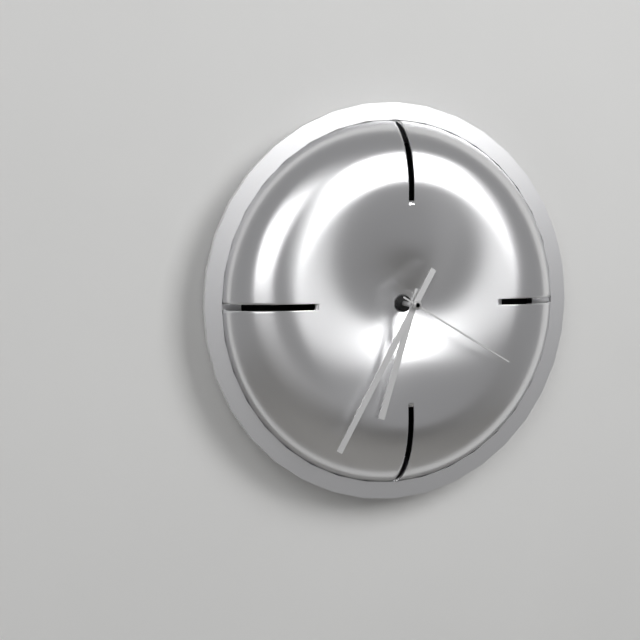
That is 6 h 35 min 20 s
